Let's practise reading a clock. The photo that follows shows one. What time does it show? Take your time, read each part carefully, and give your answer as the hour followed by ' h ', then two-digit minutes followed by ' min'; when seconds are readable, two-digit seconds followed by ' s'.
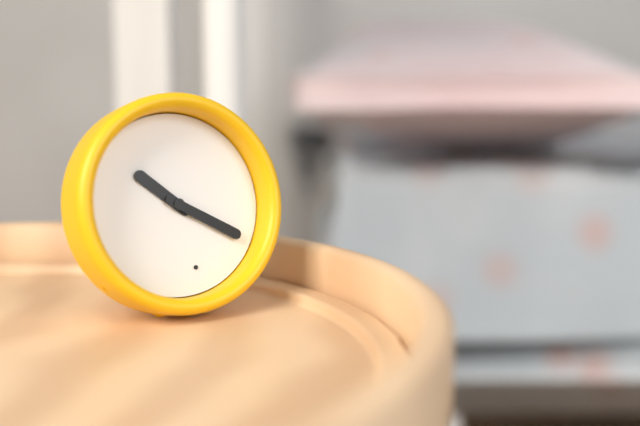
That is 10 h 20 min
